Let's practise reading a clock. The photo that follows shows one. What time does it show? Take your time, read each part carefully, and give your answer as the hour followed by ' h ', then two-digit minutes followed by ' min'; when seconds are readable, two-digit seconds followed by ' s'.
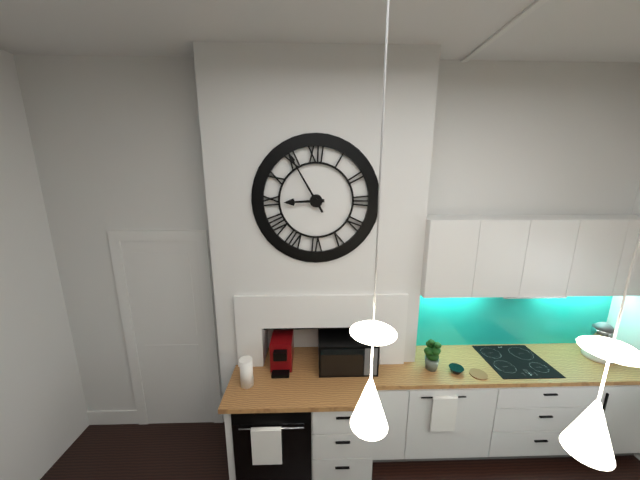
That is 8 h 55 min
